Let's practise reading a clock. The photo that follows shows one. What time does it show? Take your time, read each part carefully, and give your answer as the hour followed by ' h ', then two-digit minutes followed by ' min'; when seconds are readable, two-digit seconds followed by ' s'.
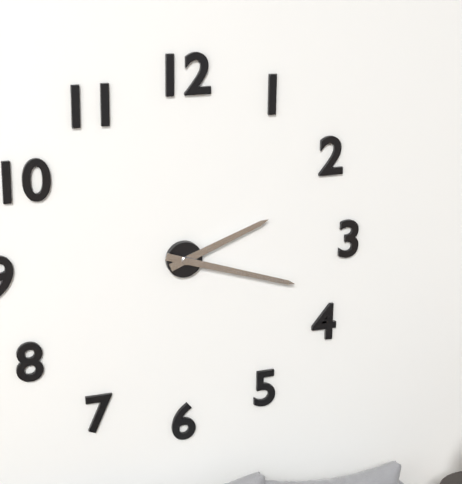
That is 2 h 18 min
